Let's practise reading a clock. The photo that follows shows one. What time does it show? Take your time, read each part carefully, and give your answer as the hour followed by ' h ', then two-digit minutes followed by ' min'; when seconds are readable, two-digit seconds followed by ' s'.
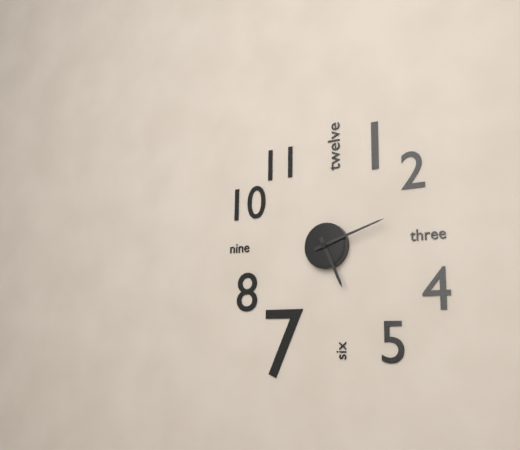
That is 5 h 12 min
